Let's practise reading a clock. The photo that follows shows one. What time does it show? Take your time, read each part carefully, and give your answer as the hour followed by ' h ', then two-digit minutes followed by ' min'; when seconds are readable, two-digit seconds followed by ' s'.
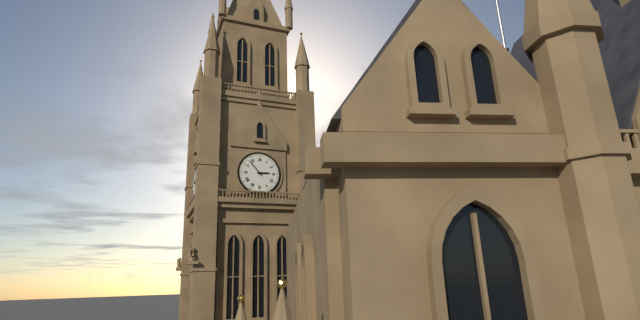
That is 2 h 53 min
